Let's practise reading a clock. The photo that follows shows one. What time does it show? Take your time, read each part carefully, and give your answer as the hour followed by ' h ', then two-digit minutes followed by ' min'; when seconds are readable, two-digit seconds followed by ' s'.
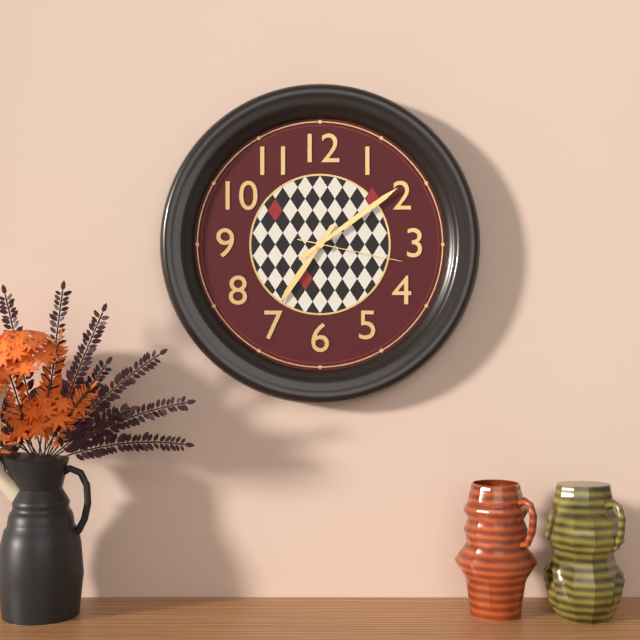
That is 7 h 09 min 17 s
